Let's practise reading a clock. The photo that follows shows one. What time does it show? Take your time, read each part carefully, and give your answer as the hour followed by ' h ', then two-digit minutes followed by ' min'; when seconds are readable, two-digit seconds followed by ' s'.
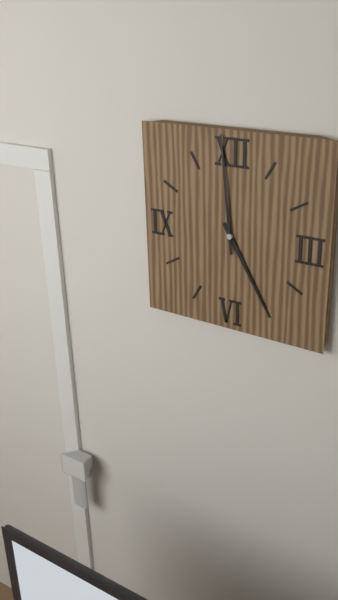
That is 4 h 59 min
